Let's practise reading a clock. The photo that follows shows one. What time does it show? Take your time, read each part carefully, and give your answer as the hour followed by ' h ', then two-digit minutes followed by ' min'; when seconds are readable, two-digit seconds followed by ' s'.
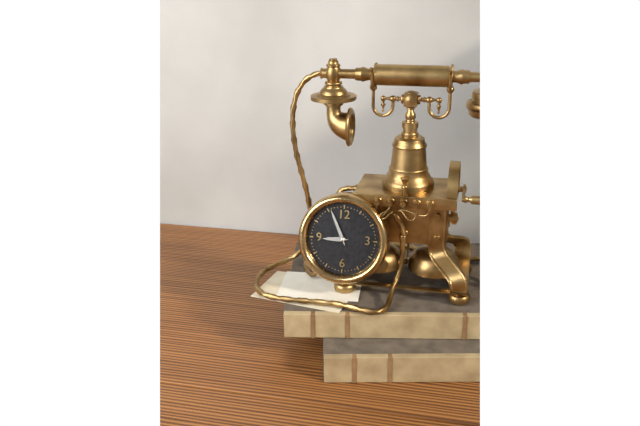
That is 8 h 56 min
